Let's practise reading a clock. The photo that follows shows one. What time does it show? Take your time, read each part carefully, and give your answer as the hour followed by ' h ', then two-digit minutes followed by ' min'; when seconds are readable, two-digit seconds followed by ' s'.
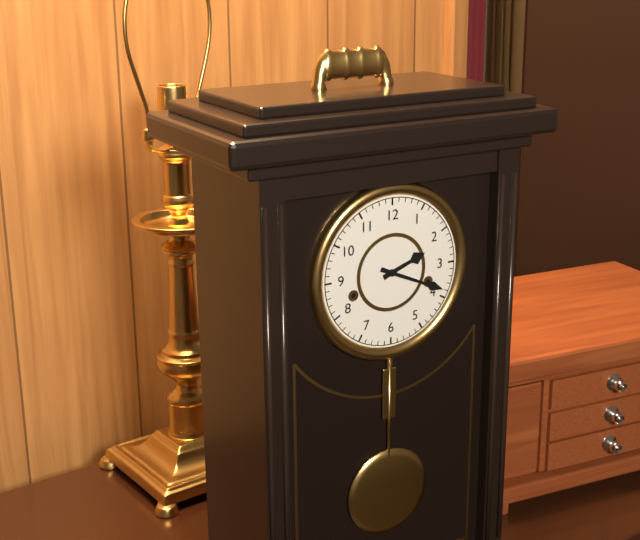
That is 2 h 19 min
